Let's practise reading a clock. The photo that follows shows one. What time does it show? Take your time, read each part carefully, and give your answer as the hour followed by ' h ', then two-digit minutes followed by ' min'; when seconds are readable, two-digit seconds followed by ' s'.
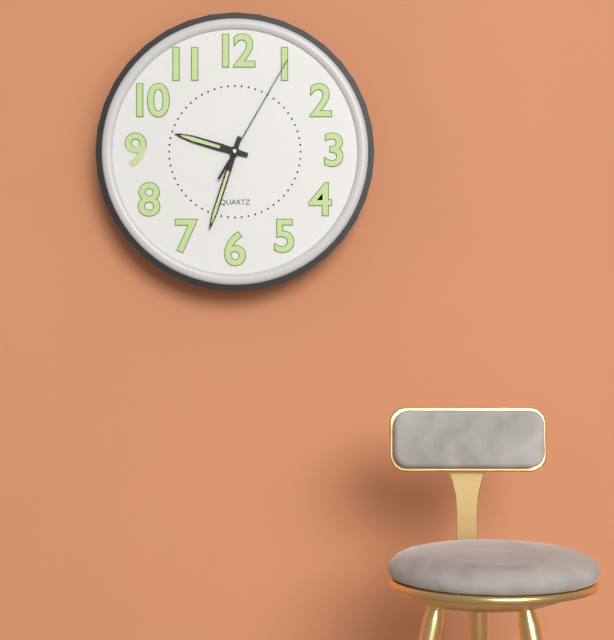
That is 9 h 33 min 05 s
